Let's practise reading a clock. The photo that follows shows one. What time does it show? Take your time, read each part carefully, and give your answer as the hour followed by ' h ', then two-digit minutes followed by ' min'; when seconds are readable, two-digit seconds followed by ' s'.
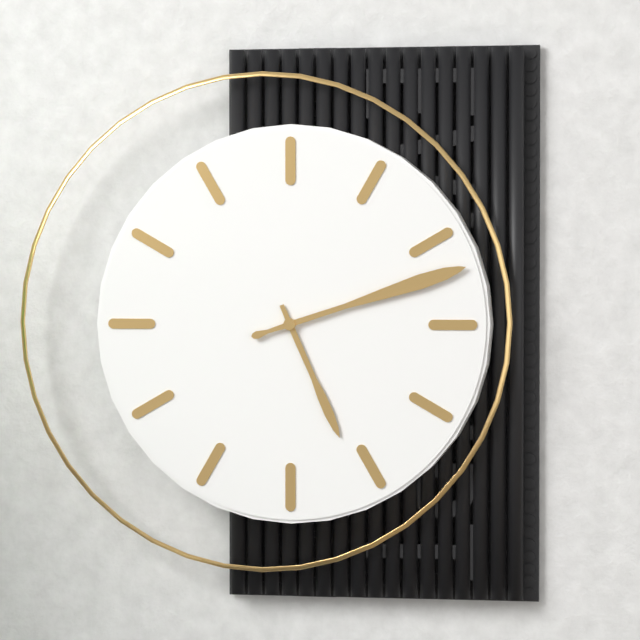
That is 5 h 12 min
